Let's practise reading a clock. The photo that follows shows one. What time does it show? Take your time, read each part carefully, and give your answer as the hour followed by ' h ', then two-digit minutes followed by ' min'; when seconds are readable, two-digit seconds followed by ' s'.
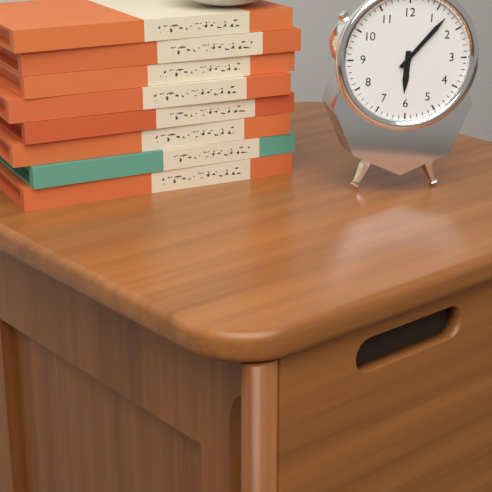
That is 6 h 07 min
